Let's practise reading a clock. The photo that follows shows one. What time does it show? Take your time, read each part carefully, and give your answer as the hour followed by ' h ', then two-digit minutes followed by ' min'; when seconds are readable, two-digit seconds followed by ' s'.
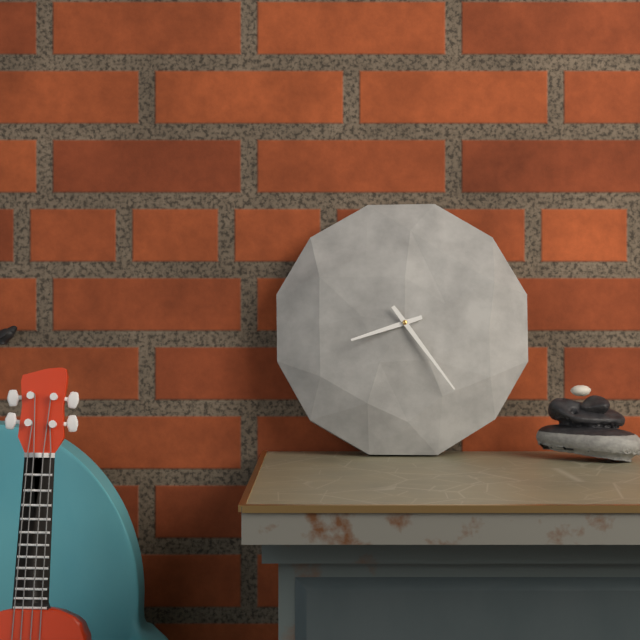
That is 8 h 24 min
